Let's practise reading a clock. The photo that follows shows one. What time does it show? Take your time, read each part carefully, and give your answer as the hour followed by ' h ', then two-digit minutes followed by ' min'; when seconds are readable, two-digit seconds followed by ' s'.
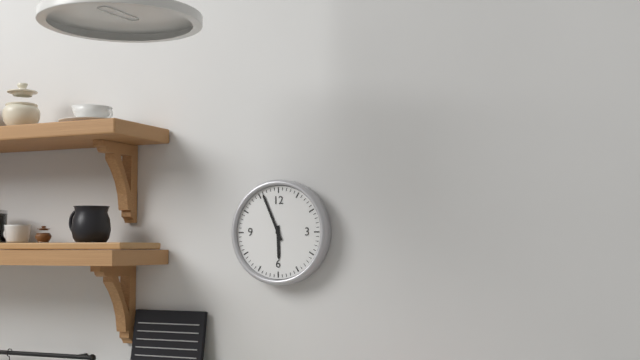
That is 5 h 56 min
